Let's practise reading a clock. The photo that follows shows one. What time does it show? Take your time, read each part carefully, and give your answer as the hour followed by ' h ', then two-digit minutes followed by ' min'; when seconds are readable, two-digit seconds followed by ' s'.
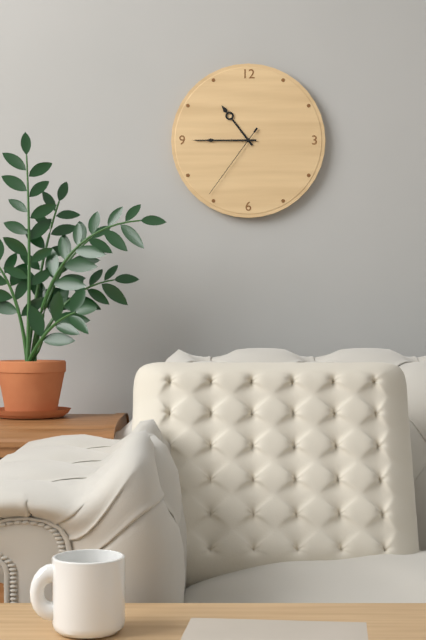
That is 10 h 45 min 36 s
